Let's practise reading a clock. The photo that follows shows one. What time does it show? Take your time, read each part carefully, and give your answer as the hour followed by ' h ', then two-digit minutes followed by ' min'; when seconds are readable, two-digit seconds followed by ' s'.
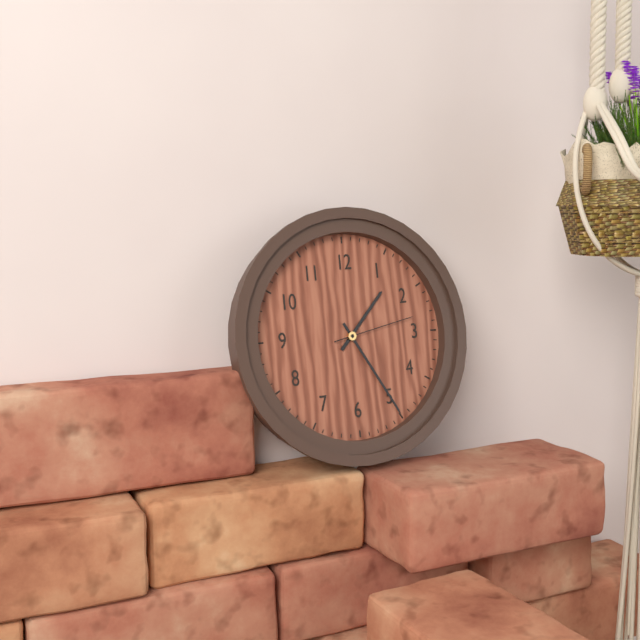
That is 1 h 25 min 13 s
